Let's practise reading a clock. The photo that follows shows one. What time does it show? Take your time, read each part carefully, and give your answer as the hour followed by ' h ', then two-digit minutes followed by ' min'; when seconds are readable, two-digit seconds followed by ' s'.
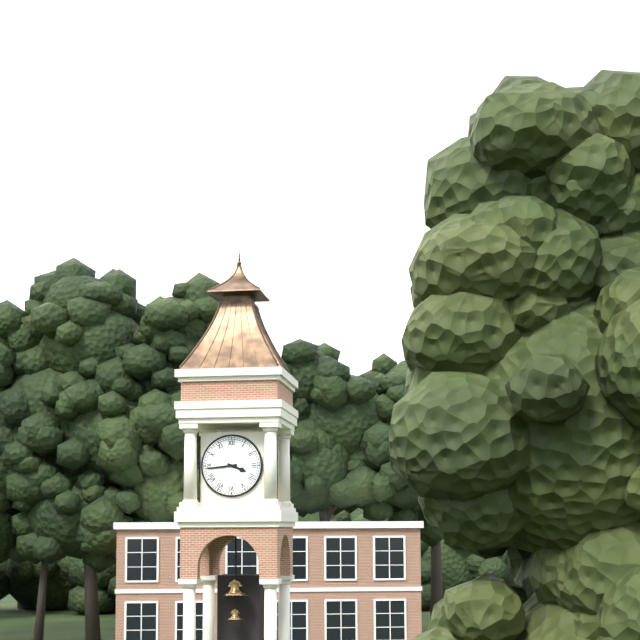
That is 3 h 44 min
